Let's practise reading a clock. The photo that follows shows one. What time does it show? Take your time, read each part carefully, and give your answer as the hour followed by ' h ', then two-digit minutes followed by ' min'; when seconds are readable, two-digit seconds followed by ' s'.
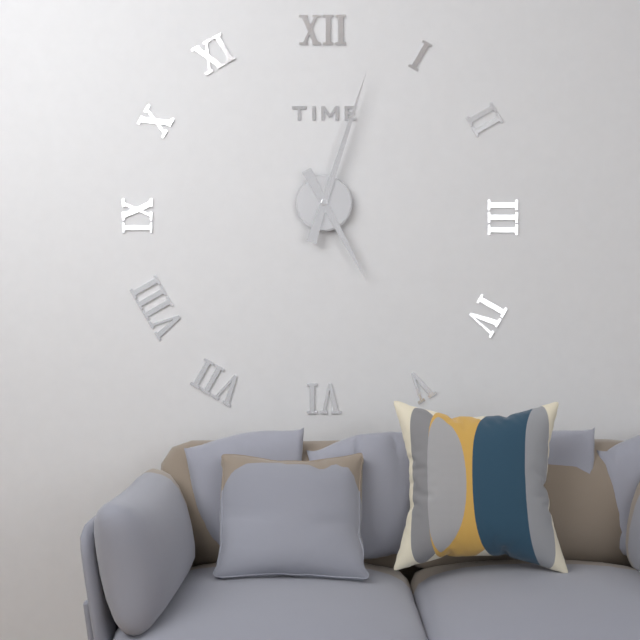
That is 5 h 03 min
